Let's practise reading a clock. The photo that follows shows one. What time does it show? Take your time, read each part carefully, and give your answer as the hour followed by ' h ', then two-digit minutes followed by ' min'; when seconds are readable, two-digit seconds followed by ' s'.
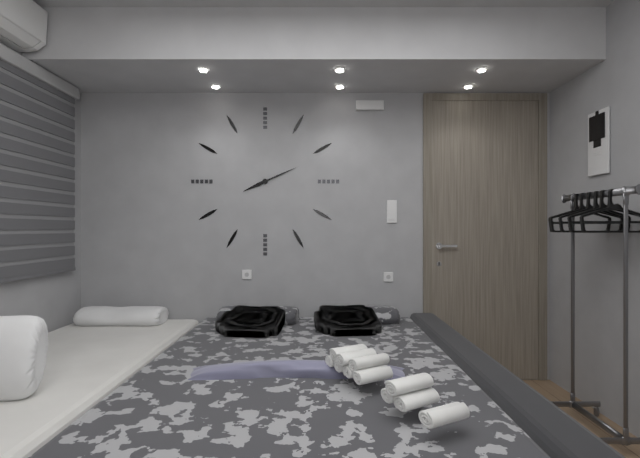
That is 8 h 11 min
